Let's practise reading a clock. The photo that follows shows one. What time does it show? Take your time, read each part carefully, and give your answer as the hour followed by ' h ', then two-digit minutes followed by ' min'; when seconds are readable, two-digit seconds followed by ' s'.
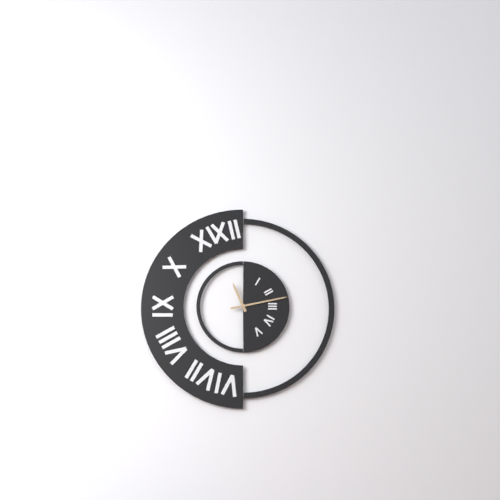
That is 11 h 13 min
